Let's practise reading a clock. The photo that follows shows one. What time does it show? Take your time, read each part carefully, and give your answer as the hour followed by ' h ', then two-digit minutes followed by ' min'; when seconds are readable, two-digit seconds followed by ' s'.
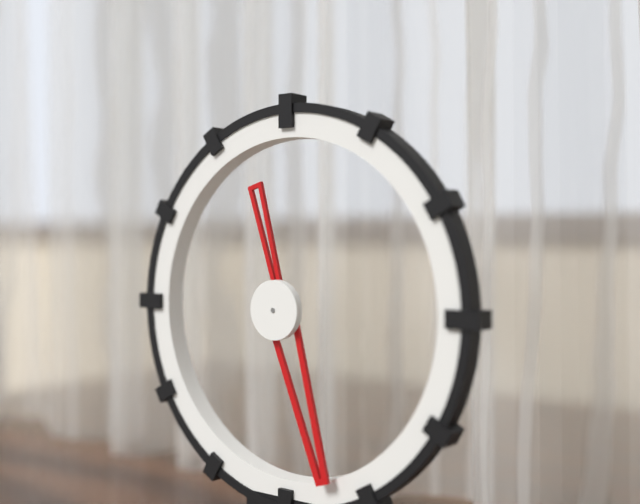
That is 11 h 27 min
